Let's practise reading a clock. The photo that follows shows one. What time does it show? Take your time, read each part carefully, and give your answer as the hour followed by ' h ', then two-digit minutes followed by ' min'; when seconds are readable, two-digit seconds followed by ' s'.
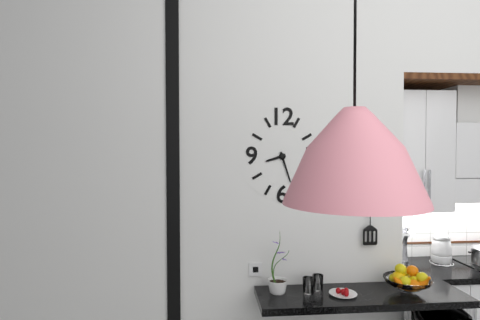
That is 8 h 27 min
